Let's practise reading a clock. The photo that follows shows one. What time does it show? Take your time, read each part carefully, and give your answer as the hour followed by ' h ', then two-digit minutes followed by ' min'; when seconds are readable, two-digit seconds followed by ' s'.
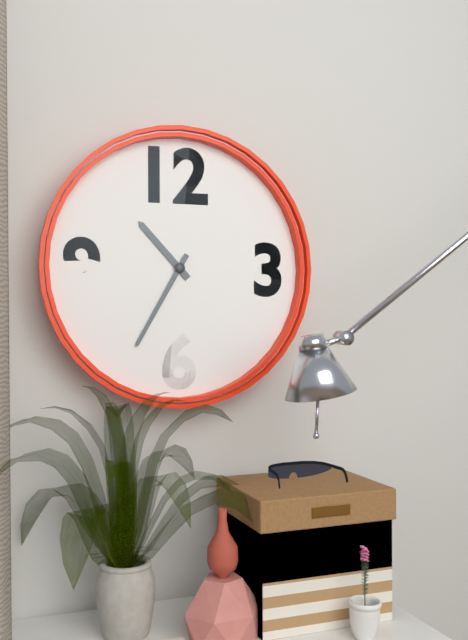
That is 10 h 35 min
